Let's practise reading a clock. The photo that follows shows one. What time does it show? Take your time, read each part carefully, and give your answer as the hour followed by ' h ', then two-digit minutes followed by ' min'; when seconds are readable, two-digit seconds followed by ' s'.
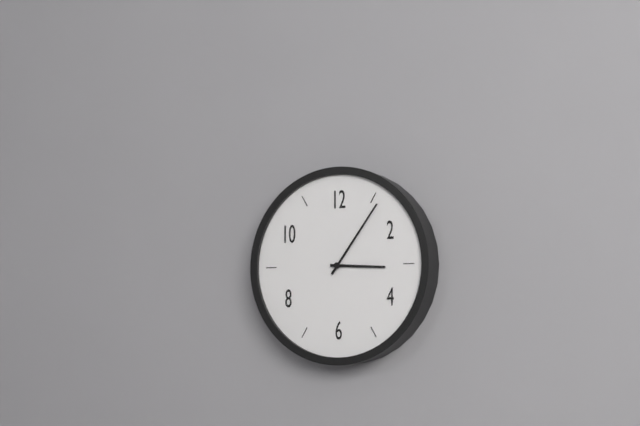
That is 3 h 06 min
